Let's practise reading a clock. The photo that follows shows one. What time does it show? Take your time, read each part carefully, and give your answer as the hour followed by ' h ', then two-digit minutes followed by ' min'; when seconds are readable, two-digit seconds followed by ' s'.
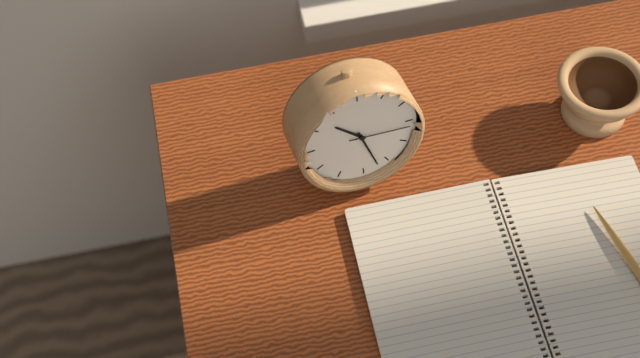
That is 10 h 27 min 16 s
